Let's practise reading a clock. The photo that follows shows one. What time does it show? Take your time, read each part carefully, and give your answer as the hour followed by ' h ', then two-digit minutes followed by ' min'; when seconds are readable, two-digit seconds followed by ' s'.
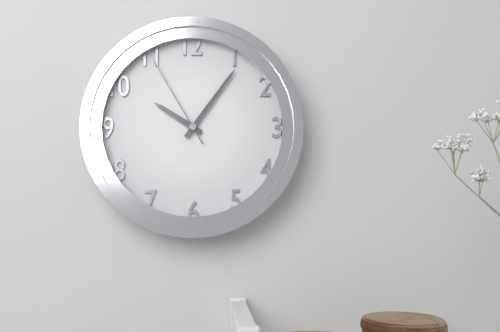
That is 10 h 06 min 55 s
